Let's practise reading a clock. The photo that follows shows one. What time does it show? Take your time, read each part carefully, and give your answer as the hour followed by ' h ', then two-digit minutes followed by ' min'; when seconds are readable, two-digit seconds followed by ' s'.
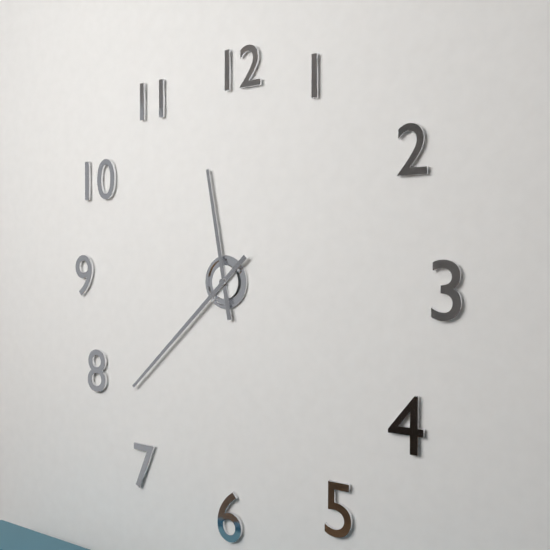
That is 11 h 38 min
